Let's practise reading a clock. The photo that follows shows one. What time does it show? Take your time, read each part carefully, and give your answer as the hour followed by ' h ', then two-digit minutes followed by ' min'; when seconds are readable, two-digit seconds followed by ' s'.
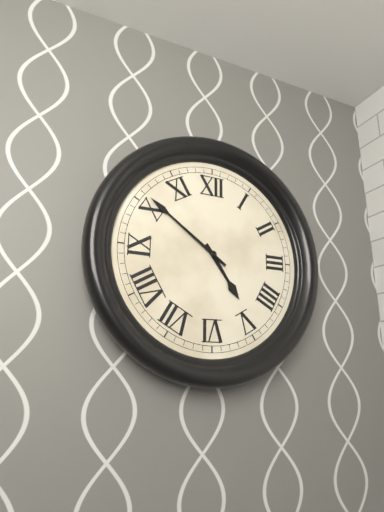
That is 4 h 51 min
